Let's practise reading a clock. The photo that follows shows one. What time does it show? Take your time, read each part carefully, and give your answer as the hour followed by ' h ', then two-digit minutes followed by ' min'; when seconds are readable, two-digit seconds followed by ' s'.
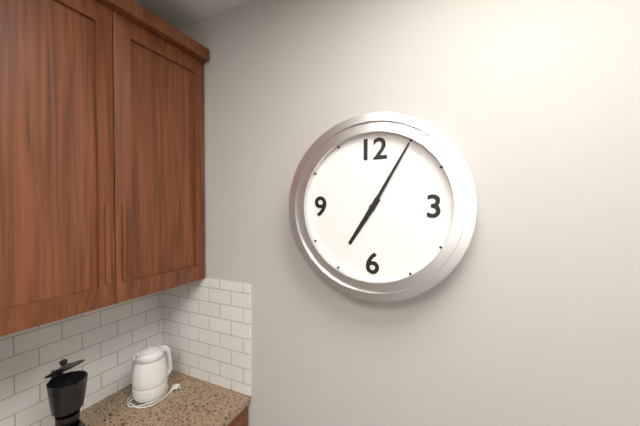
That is 7 h 05 min
